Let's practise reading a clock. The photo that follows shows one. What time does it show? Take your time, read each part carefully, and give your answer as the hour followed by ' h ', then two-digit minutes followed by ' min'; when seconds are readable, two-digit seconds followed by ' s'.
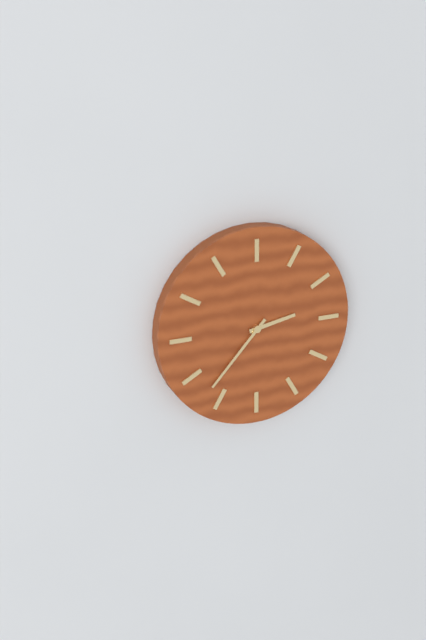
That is 2 h 37 min
